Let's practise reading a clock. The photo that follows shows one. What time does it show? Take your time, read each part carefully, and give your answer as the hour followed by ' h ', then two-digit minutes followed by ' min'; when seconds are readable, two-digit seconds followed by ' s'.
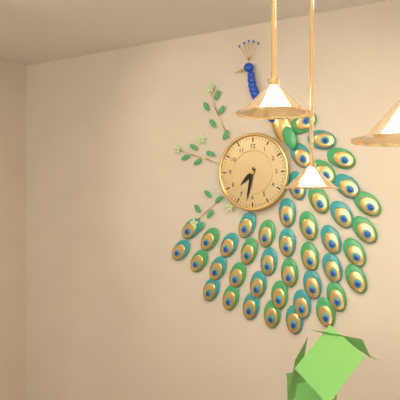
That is 7 h 32 min
